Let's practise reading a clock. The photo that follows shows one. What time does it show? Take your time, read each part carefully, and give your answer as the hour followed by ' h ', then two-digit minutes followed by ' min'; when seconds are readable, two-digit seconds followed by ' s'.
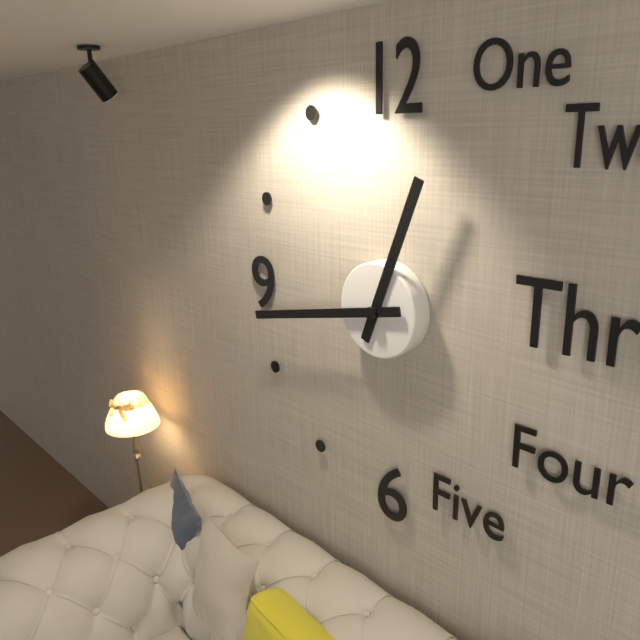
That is 12 h 43 min
